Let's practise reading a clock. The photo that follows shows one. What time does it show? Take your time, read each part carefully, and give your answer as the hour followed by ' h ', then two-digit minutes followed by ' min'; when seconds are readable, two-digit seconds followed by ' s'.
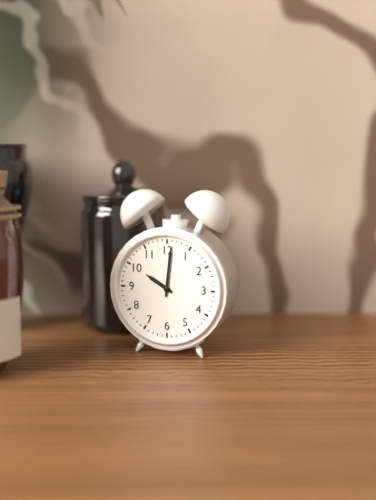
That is 10 h 01 min
